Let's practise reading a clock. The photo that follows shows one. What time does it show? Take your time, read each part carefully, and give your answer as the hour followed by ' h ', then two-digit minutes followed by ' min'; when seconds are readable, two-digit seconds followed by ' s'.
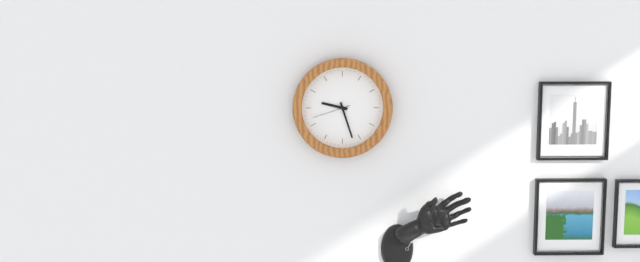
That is 9 h 27 min
